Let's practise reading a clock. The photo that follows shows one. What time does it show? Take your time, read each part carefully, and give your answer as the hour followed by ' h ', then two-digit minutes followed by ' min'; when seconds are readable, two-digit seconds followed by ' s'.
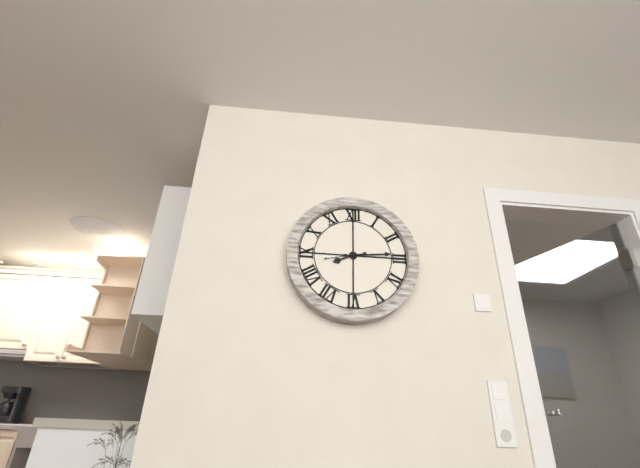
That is 8 h 14 min
